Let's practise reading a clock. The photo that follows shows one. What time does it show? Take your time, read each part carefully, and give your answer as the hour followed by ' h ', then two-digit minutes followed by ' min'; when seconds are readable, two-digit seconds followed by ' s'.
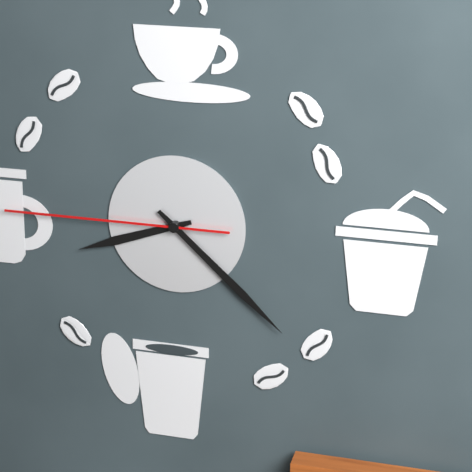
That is 8 h 22 min 45 s
